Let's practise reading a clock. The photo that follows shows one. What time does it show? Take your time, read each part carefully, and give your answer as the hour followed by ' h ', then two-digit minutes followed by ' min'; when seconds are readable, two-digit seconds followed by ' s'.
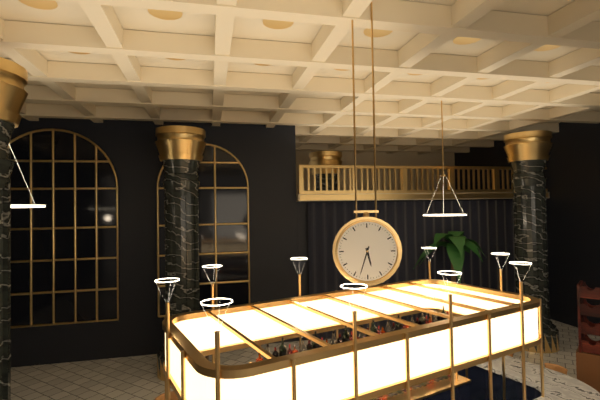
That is 5 h 33 min
